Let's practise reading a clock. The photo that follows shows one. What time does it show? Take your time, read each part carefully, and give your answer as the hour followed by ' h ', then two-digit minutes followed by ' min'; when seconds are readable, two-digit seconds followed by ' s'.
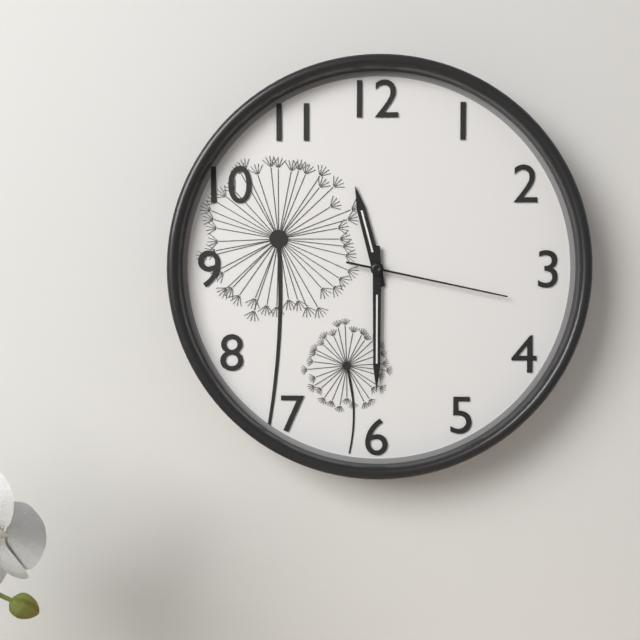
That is 11 h 30 min 17 s
